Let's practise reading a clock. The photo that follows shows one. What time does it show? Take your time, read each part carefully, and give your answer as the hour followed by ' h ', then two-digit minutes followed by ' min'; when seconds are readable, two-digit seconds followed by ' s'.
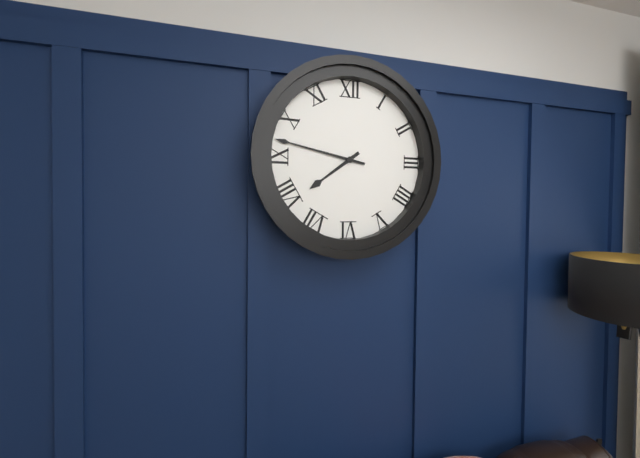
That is 7 h 47 min
